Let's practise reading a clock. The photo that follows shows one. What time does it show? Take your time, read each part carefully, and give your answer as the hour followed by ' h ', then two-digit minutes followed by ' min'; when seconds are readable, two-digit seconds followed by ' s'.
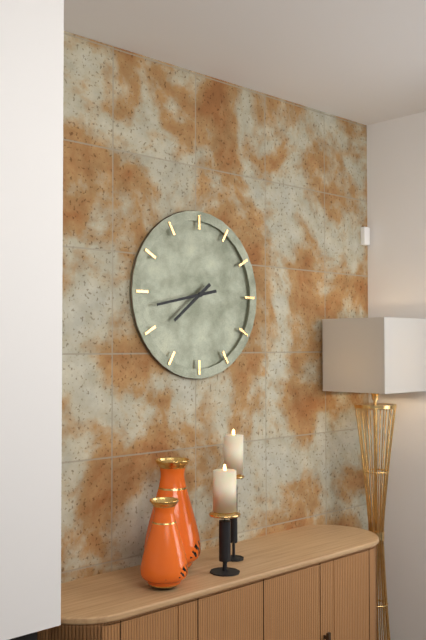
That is 7 h 43 min
